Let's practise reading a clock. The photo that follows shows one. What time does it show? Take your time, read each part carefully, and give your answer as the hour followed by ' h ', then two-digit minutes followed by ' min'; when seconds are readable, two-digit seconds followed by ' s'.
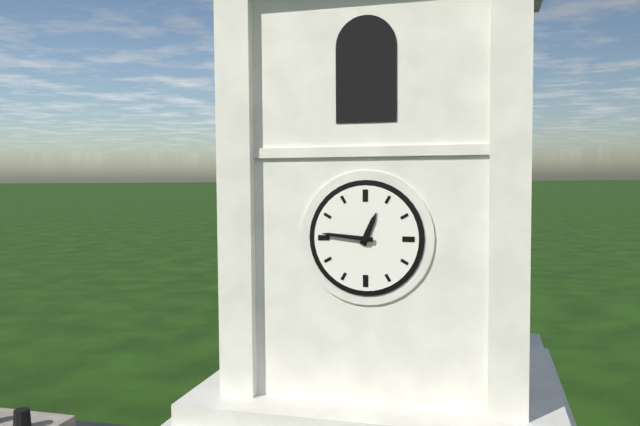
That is 12 h 46 min
